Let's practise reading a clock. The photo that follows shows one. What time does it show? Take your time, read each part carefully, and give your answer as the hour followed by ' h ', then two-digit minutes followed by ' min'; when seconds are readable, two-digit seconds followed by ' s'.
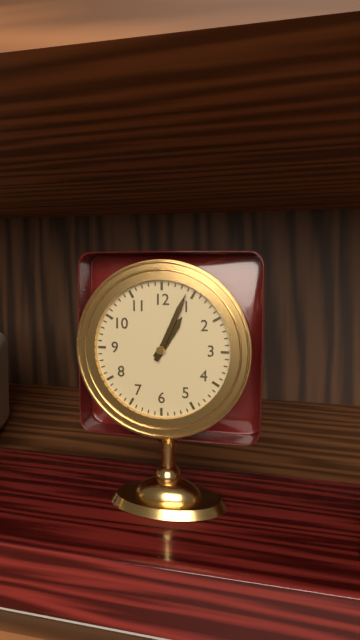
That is 1 h 04 min
